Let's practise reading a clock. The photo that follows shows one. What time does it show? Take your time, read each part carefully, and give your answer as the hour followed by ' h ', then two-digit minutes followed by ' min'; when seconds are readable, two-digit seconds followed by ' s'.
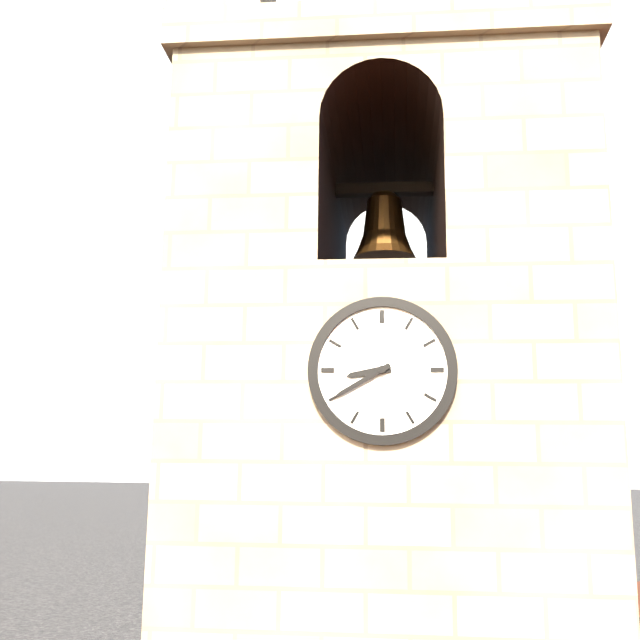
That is 8 h 40 min
